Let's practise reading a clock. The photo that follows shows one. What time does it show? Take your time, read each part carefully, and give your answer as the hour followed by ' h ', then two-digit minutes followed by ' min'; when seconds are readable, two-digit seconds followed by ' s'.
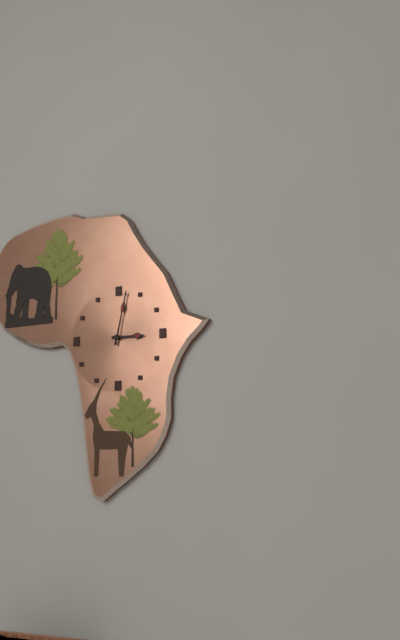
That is 3 h 02 min
